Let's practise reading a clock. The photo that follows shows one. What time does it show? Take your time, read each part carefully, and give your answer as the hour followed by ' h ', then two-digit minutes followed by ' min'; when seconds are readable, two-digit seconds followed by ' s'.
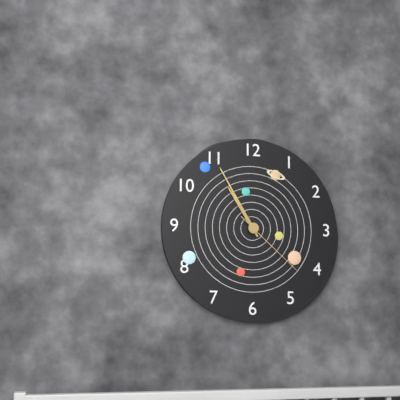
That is 10 h 55 min 22 s
